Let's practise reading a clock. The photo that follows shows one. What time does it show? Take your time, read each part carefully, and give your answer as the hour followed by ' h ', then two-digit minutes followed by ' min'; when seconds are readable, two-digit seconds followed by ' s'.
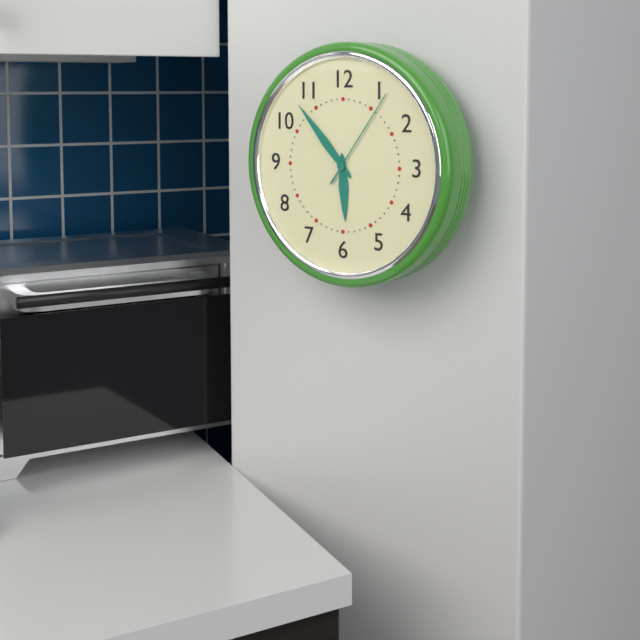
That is 5 h 53 min 06 s
